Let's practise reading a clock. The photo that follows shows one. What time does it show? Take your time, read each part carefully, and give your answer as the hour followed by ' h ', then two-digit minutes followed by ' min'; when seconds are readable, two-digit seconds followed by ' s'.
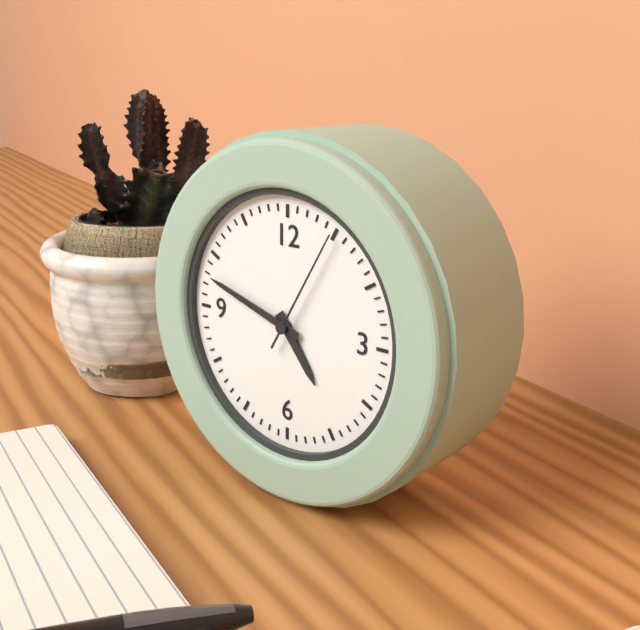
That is 4 h 48 min 05 s
